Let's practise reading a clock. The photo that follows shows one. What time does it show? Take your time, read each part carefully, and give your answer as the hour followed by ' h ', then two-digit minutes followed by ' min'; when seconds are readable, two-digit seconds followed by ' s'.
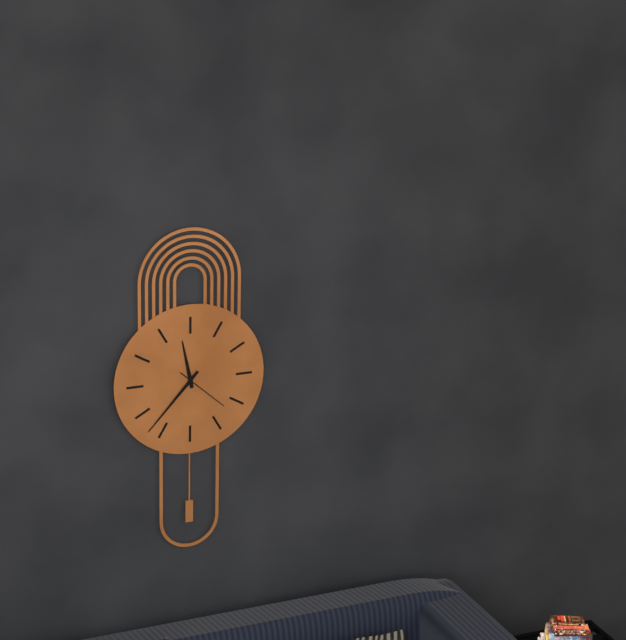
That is 11 h 37 min 22 s
